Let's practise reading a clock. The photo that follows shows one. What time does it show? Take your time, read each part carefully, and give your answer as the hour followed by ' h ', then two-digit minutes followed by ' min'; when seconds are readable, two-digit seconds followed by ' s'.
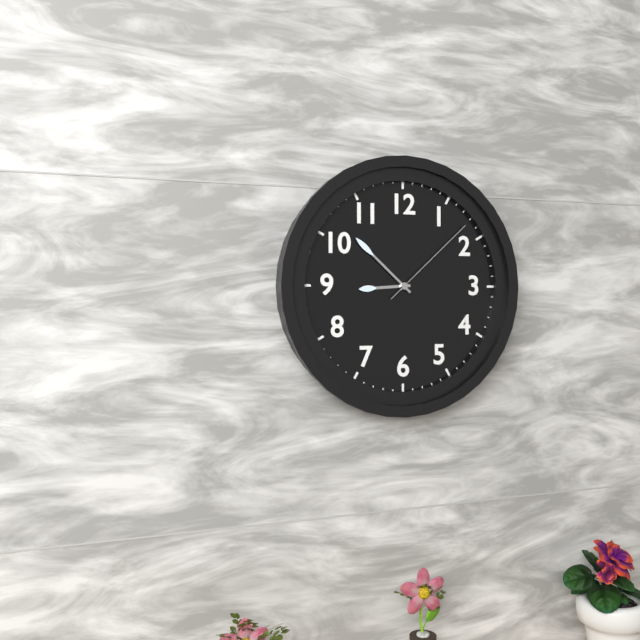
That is 8 h 52 min 08 s
